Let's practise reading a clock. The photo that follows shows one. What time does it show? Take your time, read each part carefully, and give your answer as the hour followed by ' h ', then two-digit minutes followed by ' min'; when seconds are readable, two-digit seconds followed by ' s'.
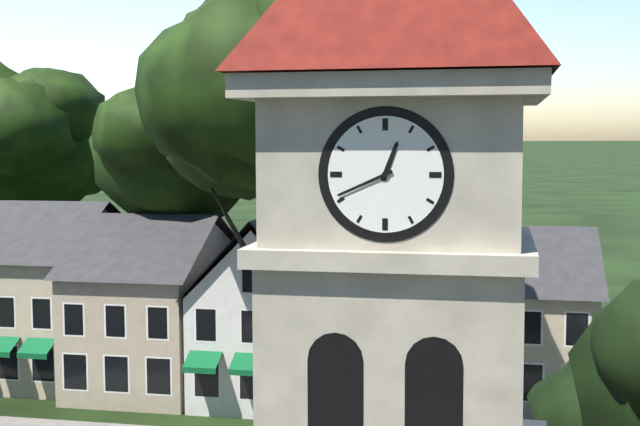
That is 12 h 41 min
